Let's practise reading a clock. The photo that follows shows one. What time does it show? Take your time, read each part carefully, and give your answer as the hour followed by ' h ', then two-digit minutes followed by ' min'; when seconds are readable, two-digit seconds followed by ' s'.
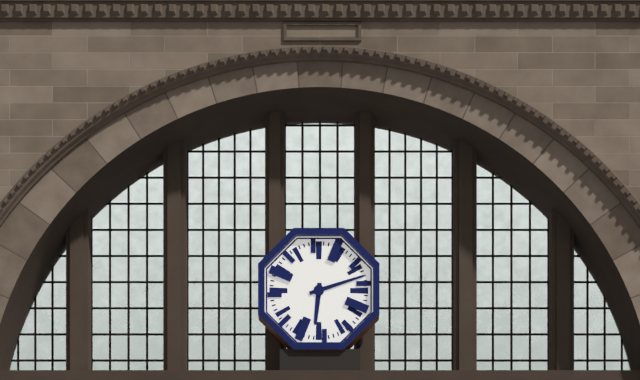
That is 6 h 12 min
